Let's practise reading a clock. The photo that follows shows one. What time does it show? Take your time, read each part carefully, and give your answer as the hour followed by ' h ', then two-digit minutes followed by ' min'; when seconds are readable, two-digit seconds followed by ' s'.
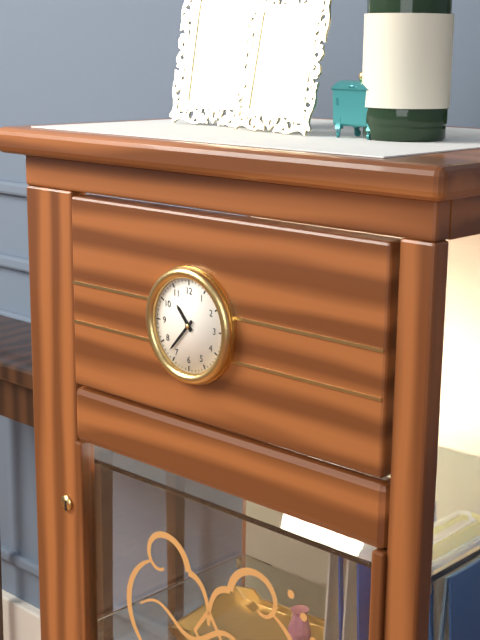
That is 10 h 37 min
